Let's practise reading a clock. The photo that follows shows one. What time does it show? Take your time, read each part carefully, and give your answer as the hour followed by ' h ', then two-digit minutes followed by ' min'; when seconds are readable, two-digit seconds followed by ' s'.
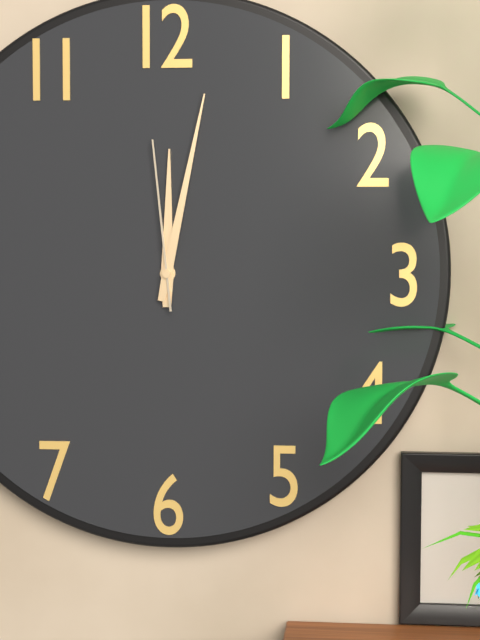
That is 12 h 02 min 59 s
